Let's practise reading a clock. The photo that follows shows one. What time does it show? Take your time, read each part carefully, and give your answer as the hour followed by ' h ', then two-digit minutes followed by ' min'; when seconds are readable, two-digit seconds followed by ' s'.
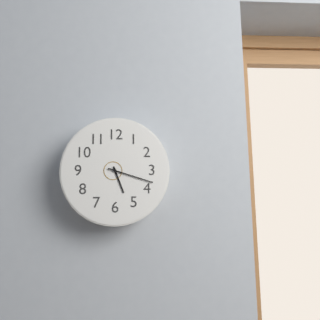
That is 5 h 18 min
